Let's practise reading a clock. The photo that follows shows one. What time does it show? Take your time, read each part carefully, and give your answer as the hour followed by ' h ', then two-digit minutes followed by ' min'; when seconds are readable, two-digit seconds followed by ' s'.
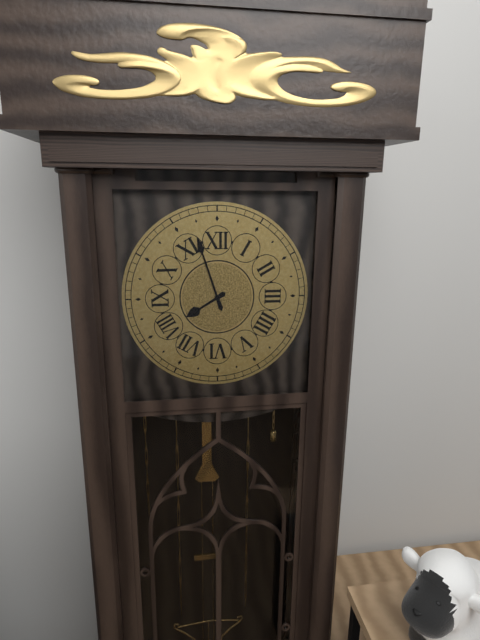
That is 7 h 57 min
